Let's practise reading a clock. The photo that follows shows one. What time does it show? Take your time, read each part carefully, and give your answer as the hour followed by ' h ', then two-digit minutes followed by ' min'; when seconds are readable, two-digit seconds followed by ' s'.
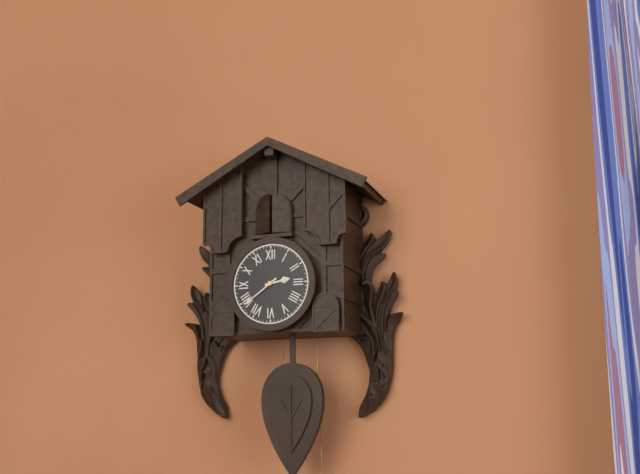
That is 2 h 39 min
